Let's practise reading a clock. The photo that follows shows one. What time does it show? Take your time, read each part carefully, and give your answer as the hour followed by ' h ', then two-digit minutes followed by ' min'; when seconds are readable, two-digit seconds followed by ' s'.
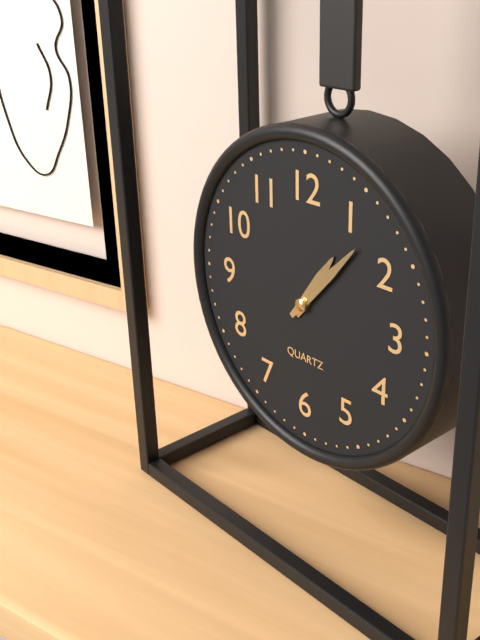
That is 1 h 07 min
